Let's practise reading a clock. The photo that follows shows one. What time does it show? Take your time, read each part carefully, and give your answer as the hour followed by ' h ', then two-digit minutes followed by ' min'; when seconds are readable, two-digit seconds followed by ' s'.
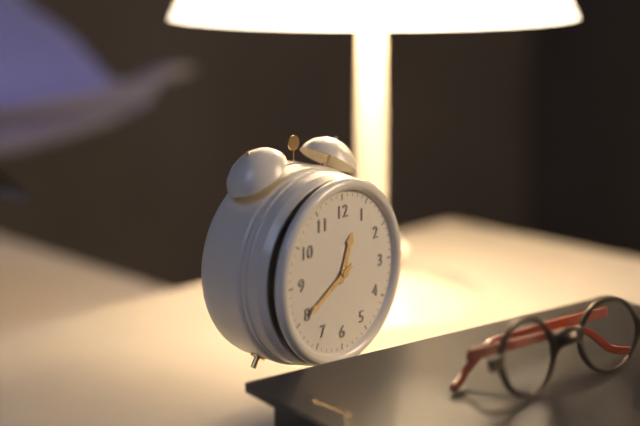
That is 12 h 40 min
